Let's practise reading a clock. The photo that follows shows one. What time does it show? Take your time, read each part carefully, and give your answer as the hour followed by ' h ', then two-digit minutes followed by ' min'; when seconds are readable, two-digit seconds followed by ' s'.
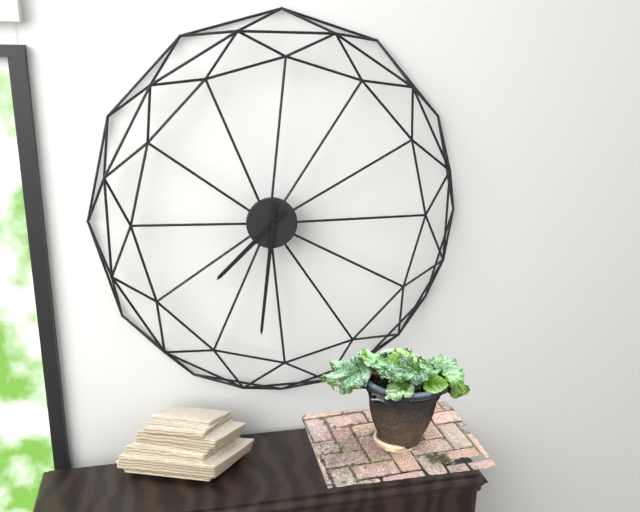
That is 7 h 31 min
